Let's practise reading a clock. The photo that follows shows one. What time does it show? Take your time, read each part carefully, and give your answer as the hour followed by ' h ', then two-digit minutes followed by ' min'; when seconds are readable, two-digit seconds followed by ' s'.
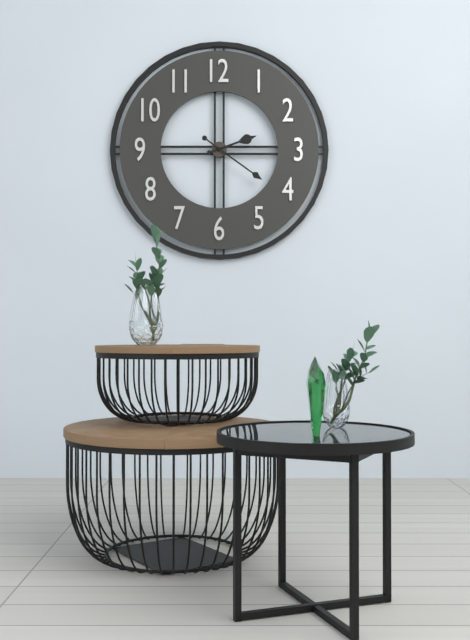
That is 2 h 21 min
